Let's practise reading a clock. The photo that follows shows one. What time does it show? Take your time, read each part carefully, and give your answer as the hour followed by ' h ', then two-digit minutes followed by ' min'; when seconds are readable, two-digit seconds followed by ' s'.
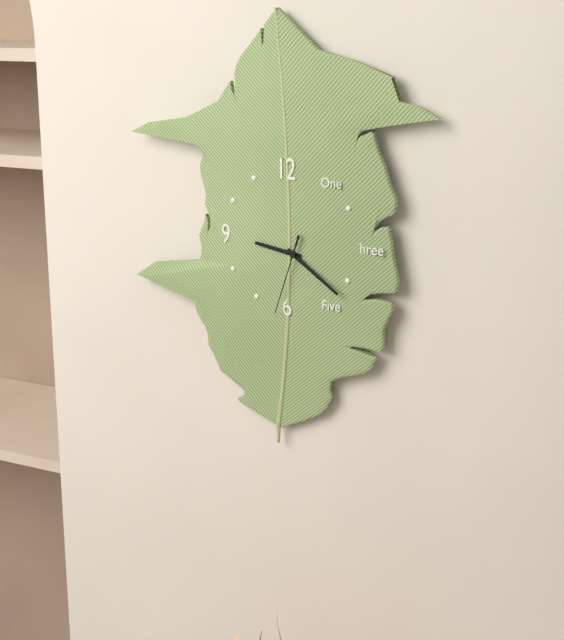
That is 9 h 21 min 33 s
